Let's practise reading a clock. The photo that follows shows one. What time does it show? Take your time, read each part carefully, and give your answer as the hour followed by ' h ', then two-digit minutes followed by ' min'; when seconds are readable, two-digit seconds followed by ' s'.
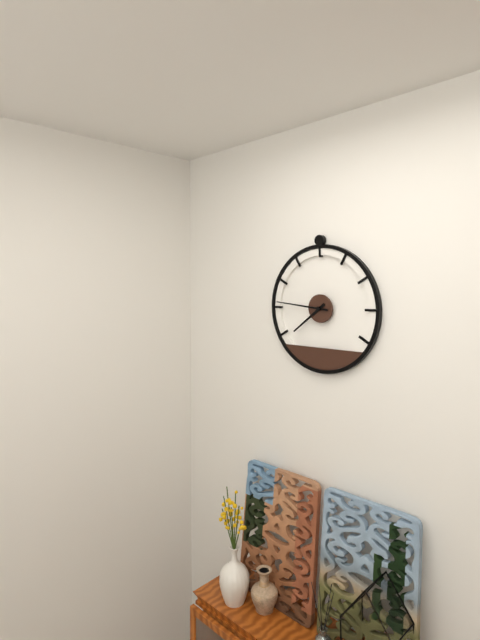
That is 7 h 46 min
